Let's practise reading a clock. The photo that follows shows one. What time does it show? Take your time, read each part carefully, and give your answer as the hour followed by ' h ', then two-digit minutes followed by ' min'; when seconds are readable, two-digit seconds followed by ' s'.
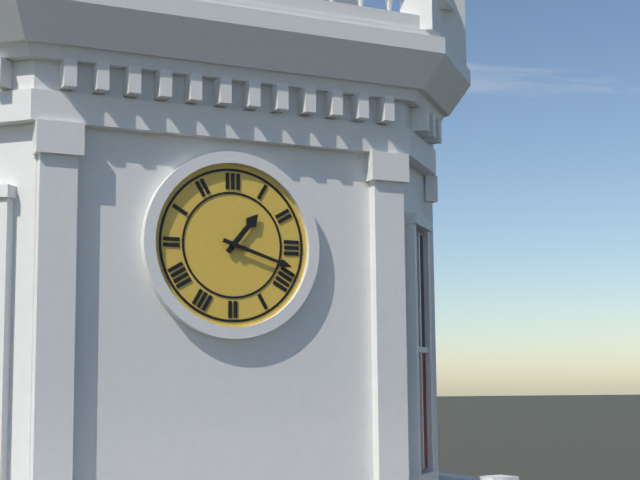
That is 1 h 18 min
